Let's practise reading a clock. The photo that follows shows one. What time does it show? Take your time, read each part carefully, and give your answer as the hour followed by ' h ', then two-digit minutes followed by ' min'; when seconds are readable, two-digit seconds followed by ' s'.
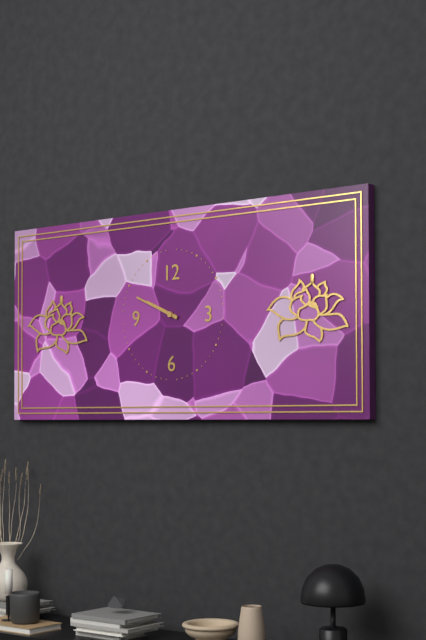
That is 9 h 49 min
